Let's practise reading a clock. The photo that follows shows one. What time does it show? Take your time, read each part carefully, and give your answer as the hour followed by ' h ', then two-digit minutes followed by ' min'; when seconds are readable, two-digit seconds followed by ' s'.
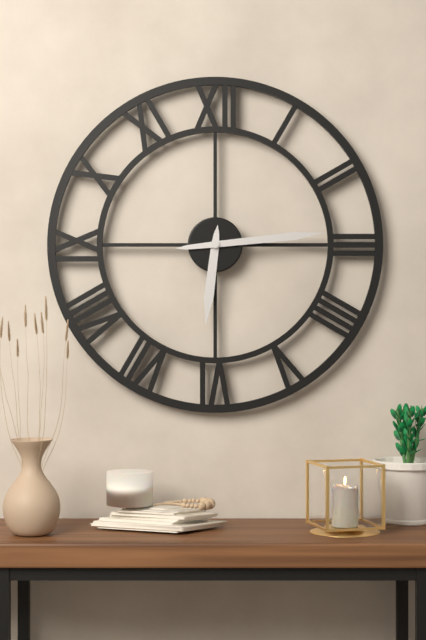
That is 6 h 14 min
